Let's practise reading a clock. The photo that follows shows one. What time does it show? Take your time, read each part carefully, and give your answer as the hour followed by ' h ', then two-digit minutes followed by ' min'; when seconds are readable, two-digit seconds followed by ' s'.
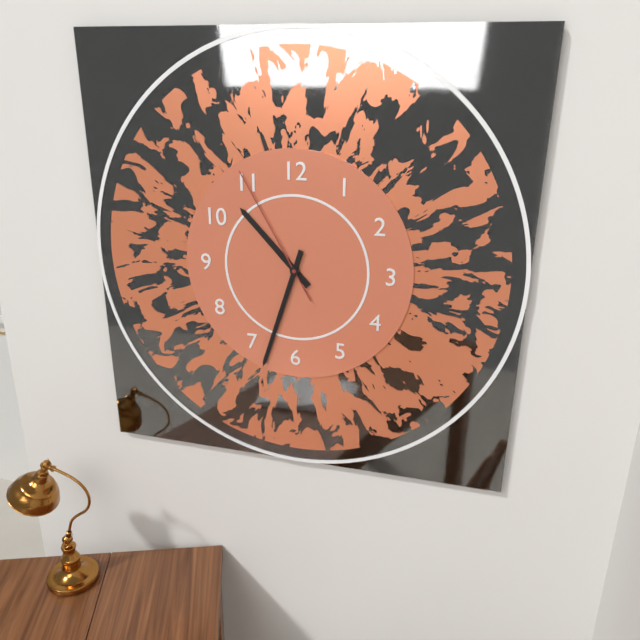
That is 10 h 33 min 55 s
